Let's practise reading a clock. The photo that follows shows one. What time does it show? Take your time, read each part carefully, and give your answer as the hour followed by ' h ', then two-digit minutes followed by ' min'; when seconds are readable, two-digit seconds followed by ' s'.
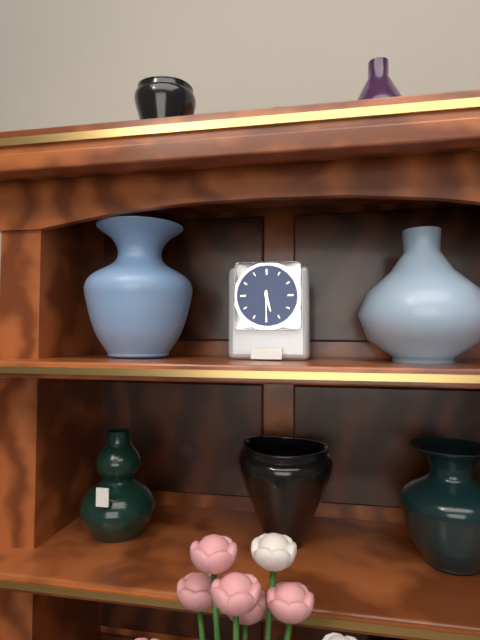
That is 5 h 30 min
